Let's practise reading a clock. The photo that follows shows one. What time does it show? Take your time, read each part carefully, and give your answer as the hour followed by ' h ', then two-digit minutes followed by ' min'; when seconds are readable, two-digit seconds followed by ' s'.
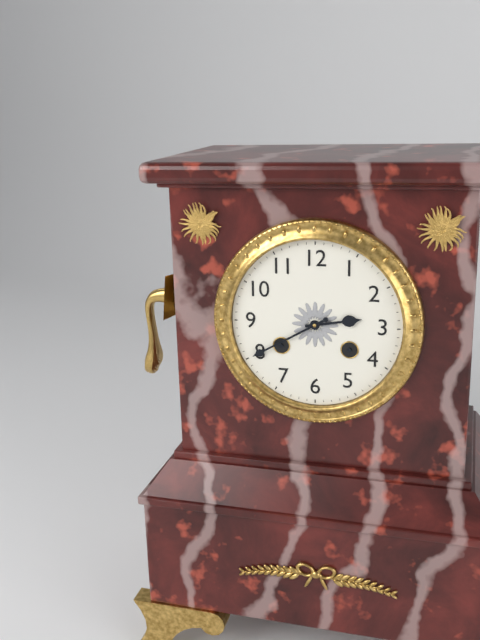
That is 2 h 40 min
